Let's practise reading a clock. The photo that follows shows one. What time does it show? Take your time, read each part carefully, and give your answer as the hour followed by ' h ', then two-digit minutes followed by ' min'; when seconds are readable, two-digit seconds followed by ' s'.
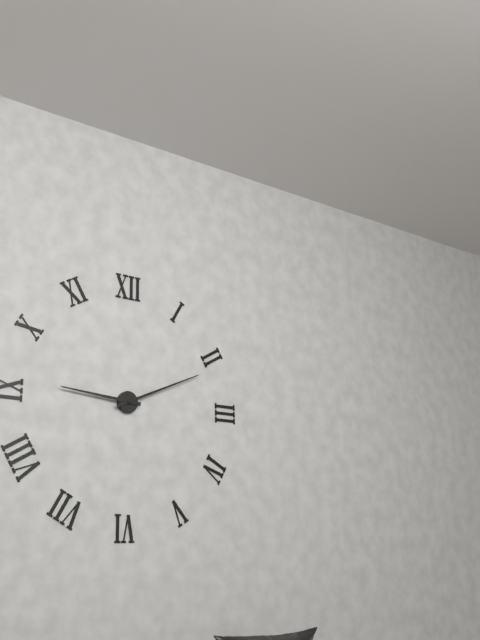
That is 9 h 11 min
